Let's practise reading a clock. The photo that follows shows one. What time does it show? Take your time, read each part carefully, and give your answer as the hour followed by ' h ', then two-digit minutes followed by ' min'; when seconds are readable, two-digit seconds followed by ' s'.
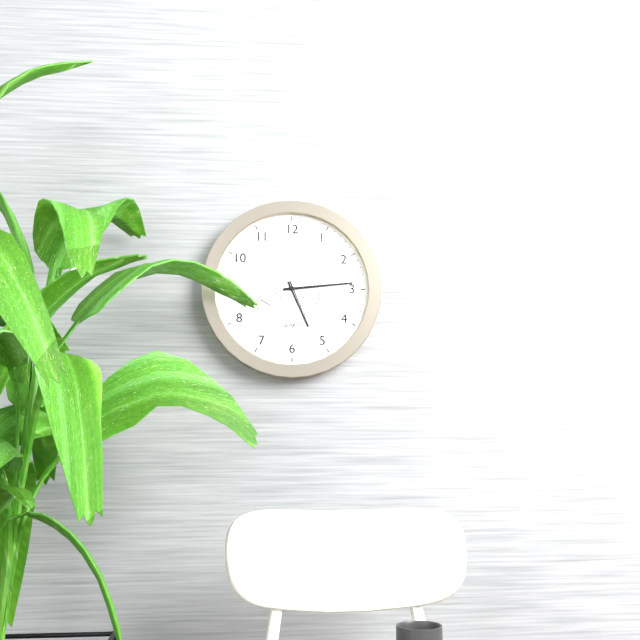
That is 5 h 14 min 26 s
